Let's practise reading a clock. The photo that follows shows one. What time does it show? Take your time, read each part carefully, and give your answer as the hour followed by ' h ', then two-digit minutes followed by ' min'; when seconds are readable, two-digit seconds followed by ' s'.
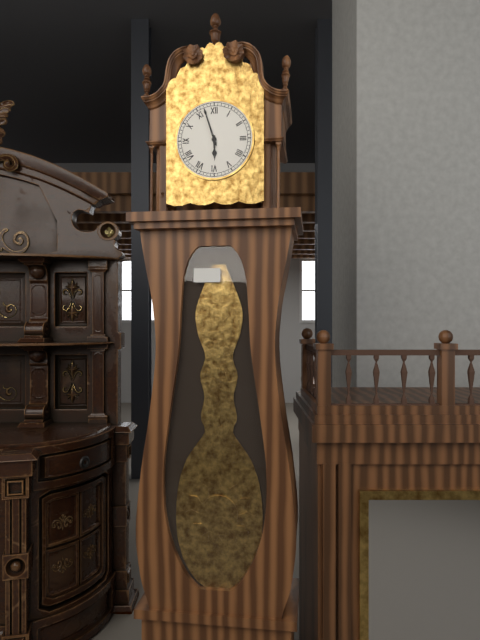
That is 5 h 57 min
